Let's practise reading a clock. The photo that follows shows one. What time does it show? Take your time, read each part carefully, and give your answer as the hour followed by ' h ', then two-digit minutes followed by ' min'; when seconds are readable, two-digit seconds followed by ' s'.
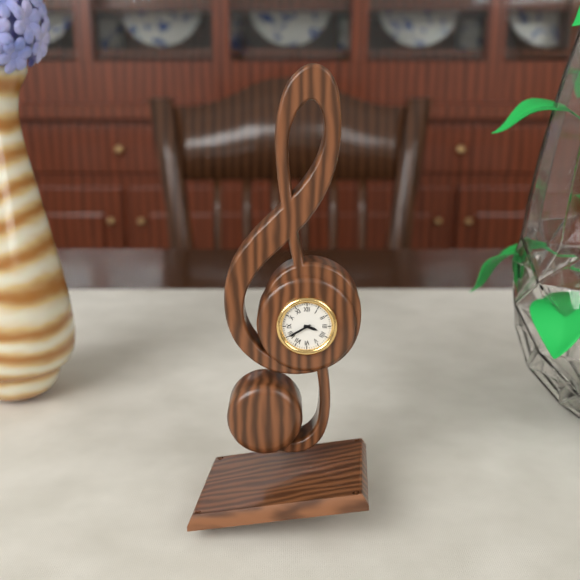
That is 3 h 40 min
